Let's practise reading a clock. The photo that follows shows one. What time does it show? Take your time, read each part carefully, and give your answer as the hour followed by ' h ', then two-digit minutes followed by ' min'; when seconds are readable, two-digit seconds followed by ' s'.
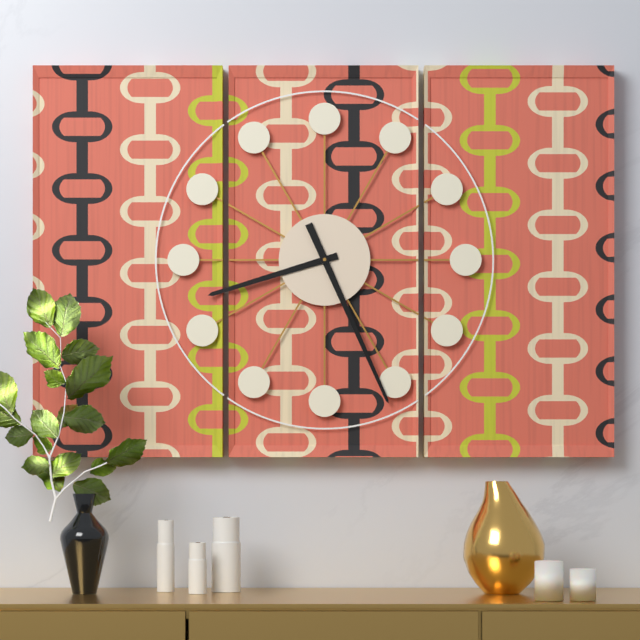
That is 8 h 26 min
